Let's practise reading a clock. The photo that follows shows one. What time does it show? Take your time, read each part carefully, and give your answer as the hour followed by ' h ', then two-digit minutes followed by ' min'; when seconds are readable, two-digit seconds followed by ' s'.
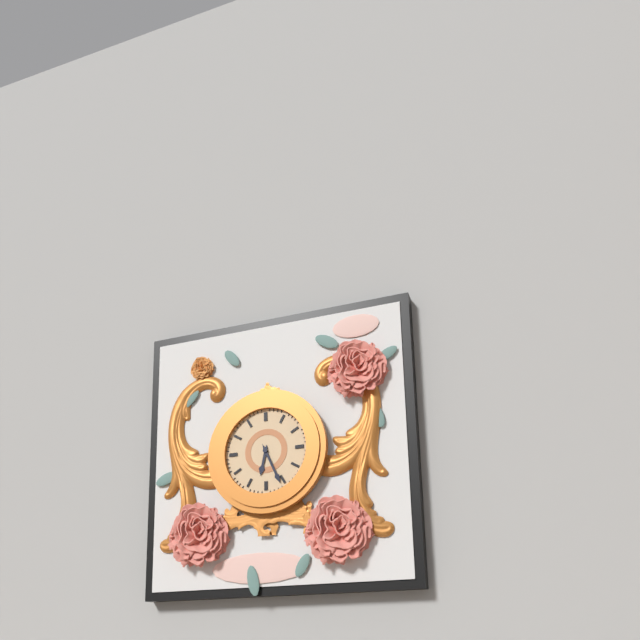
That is 6 h 26 min
